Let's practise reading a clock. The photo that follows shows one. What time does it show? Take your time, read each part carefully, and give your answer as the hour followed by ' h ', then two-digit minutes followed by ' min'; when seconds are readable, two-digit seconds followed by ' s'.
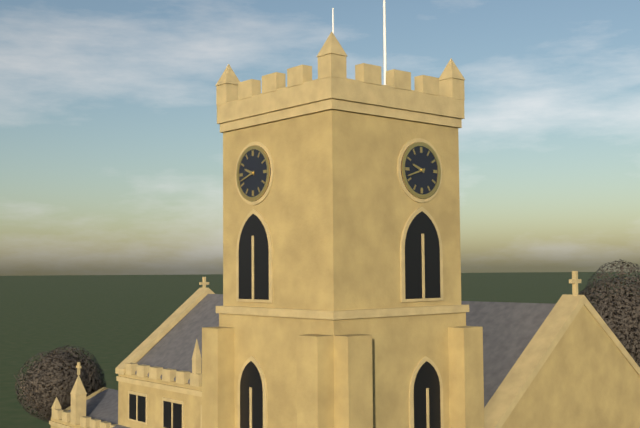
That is 9 h 42 min
